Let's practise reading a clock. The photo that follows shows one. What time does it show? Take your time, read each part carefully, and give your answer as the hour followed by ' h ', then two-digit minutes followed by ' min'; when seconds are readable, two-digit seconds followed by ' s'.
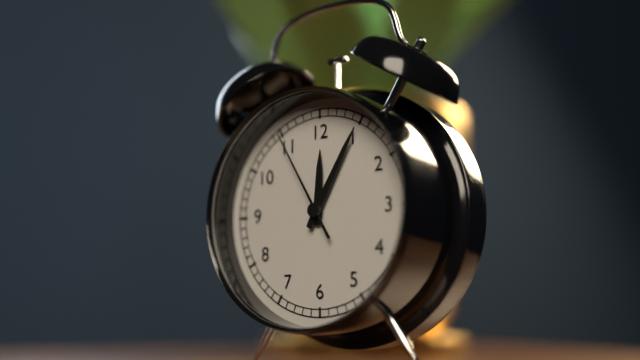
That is 12 h 05 min 55 s
